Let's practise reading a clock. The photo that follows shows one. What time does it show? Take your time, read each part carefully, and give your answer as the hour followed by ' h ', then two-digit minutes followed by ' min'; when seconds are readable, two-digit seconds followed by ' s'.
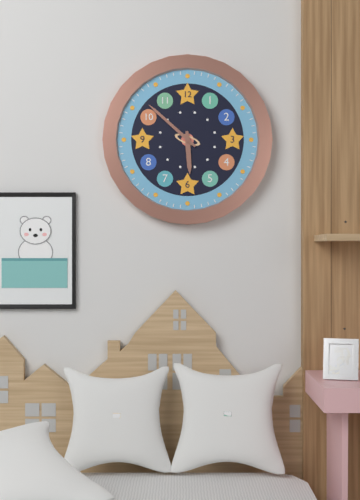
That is 5 h 52 min
